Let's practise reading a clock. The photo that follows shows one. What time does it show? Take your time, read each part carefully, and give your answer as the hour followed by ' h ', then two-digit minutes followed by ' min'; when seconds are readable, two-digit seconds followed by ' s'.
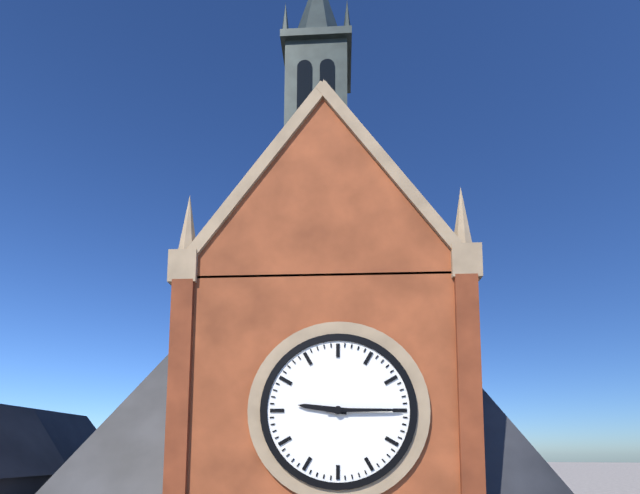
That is 9 h 15 min
